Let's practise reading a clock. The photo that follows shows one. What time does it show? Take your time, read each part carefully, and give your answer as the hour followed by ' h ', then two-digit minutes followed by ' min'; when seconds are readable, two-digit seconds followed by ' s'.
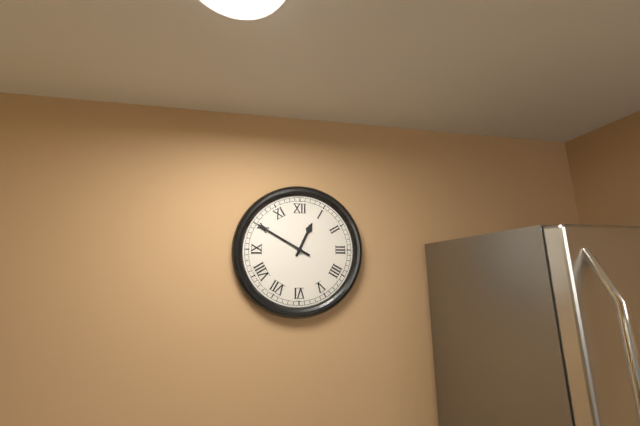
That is 12 h 50 min
